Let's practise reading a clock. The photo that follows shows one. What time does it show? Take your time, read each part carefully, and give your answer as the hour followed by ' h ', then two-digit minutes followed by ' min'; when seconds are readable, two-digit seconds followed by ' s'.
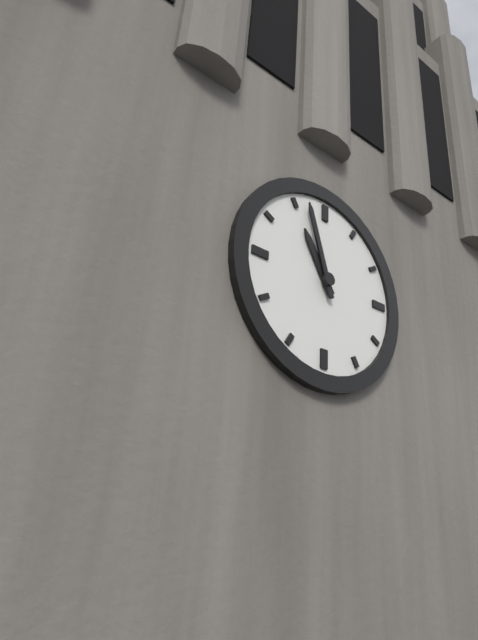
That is 10 h 57 min
